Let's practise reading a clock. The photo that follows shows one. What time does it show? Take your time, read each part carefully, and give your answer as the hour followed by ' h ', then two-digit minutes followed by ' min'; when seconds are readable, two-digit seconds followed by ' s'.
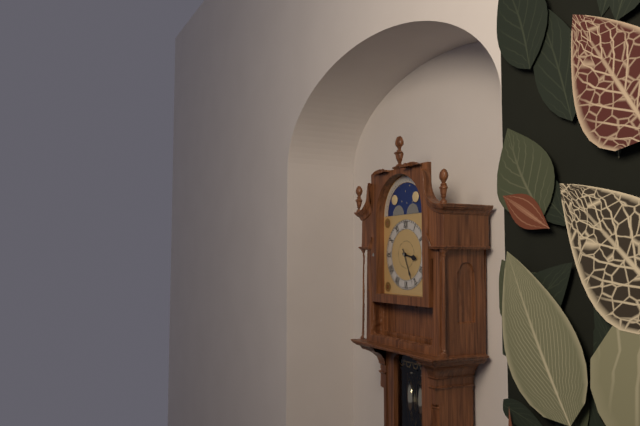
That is 3 h 26 min
